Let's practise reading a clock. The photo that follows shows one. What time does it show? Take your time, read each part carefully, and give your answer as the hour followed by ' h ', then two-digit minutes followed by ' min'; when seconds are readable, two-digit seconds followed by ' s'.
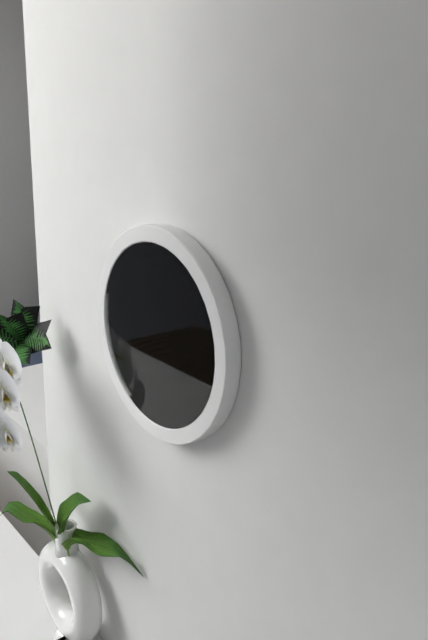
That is 12 h 37 min
